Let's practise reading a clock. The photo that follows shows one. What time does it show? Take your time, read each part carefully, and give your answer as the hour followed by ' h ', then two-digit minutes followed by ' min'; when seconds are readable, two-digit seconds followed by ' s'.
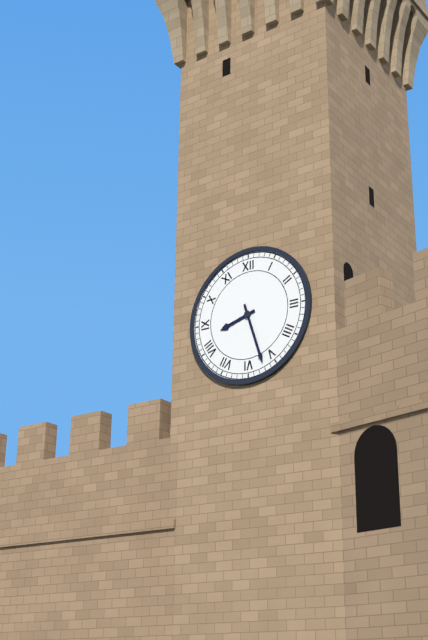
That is 8 h 27 min
